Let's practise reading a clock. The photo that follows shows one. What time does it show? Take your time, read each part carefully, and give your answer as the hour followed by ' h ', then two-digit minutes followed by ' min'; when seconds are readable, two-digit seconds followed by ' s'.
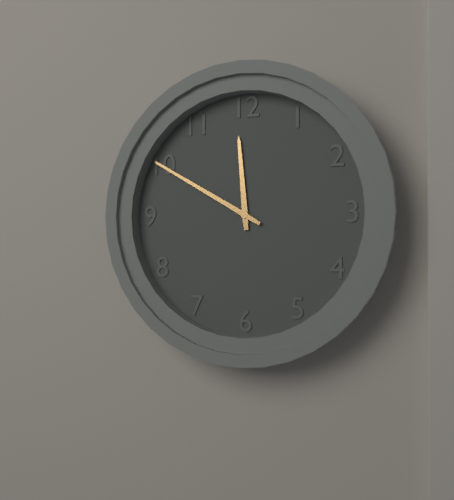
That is 11 h 50 min
